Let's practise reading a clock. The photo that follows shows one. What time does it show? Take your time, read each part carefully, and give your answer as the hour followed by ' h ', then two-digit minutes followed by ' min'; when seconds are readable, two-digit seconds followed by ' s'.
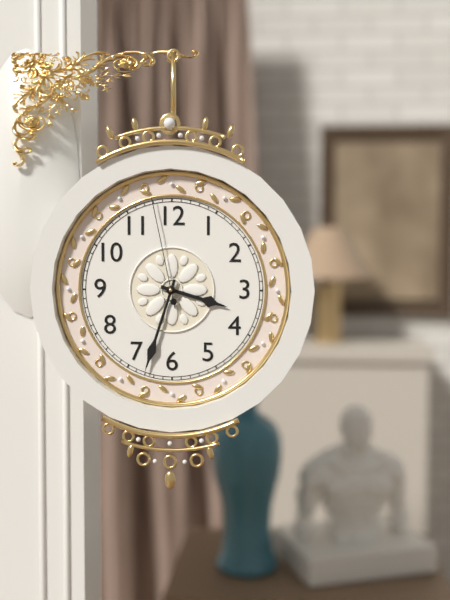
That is 3 h 33 min 58 s
